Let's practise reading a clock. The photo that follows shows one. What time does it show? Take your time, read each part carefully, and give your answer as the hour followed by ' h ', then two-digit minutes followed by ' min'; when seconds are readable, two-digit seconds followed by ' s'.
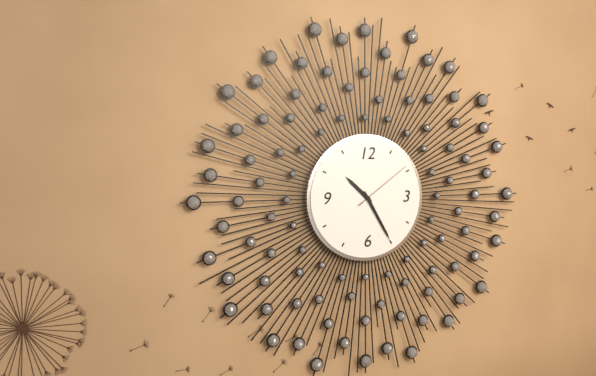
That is 10 h 25 min 09 s
